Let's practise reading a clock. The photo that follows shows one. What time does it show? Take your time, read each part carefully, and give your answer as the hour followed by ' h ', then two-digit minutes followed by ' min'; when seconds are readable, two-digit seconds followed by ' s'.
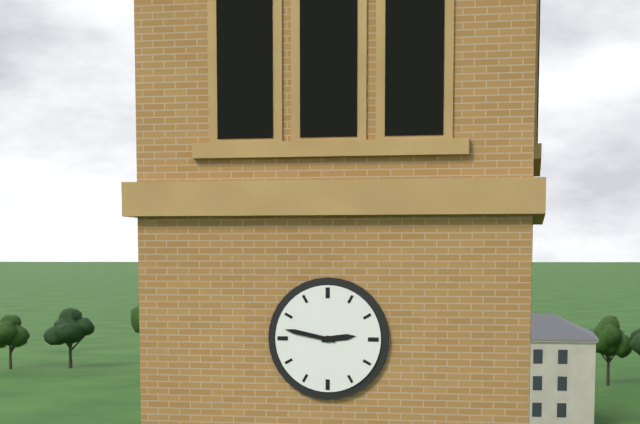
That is 2 h 47 min
